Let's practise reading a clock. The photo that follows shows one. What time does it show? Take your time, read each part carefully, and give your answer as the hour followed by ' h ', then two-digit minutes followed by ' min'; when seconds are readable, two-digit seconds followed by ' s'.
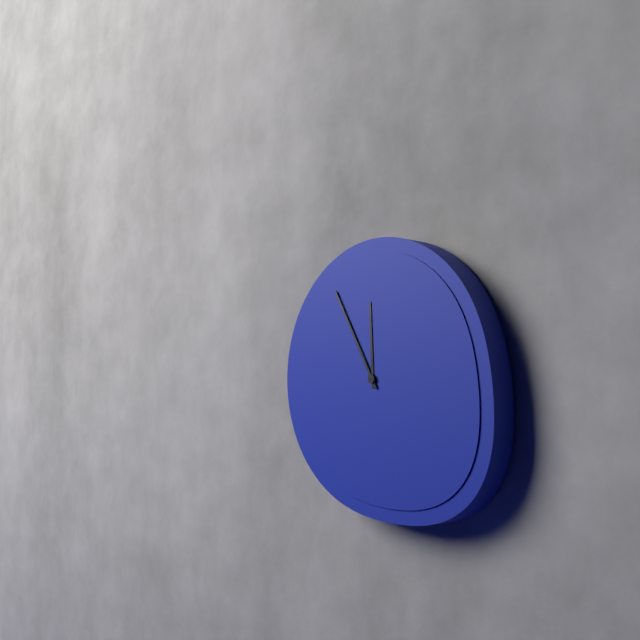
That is 11 h 55 min
